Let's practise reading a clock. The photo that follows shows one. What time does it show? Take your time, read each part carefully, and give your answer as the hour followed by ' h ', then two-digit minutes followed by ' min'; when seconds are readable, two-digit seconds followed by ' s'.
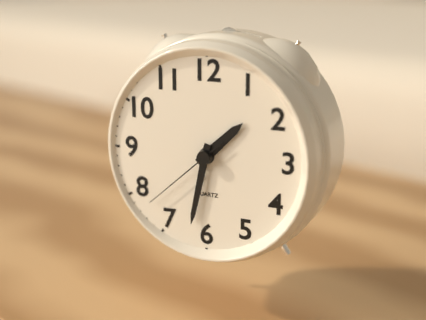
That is 1 h 32 min 38 s
